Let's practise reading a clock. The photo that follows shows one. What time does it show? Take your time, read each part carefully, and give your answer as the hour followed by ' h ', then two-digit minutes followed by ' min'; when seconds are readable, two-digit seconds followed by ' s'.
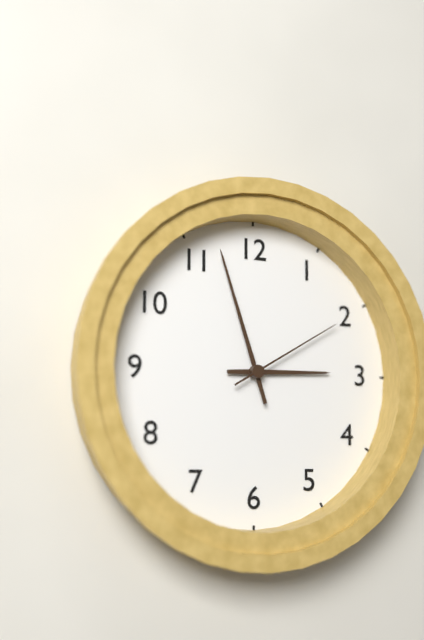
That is 2 h 57 min 10 s
